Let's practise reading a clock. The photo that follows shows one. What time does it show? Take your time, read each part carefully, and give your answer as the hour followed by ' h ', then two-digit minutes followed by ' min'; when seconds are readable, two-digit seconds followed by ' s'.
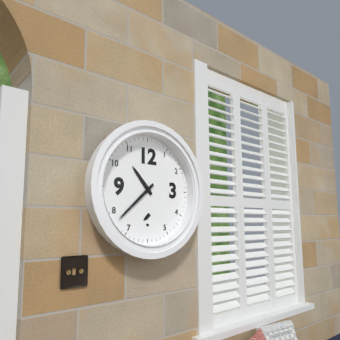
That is 10 h 38 min
